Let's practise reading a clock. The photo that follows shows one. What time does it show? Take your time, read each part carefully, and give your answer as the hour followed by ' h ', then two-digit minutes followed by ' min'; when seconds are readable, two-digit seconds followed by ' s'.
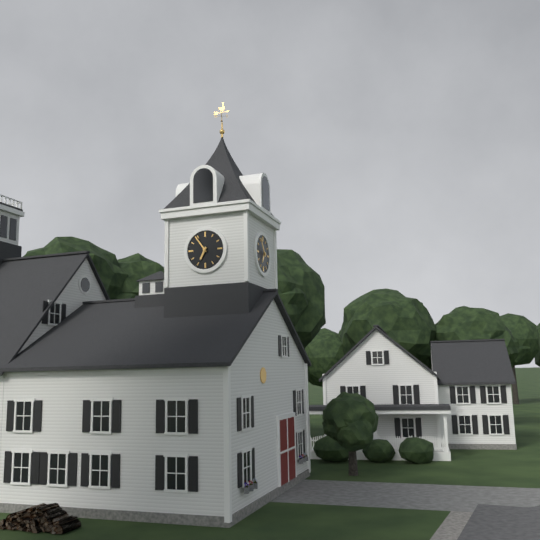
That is 6 h 54 min
